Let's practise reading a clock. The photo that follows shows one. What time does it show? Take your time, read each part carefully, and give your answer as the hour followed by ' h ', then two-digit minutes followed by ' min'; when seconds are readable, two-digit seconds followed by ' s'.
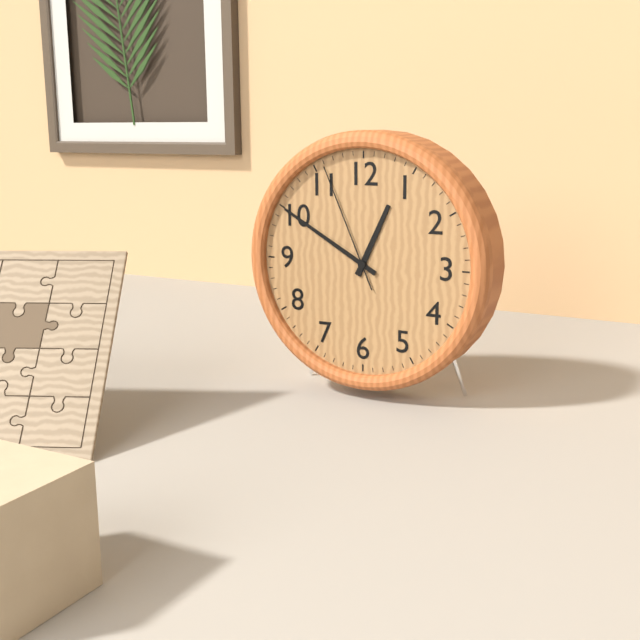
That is 12 h 50 min 56 s
